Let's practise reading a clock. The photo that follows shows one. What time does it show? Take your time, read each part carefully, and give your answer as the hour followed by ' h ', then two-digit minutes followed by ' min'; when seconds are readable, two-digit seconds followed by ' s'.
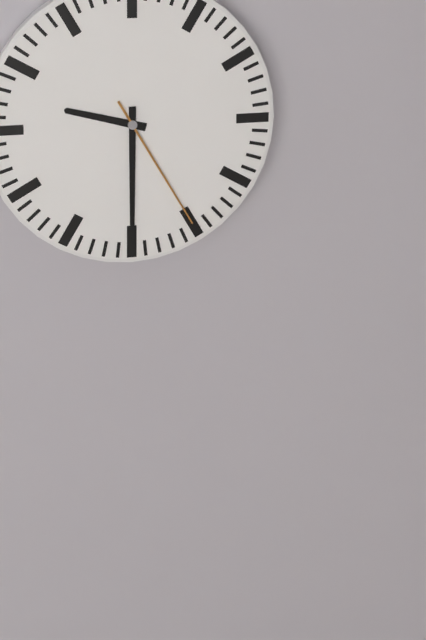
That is 9 h 30 min 25 s
